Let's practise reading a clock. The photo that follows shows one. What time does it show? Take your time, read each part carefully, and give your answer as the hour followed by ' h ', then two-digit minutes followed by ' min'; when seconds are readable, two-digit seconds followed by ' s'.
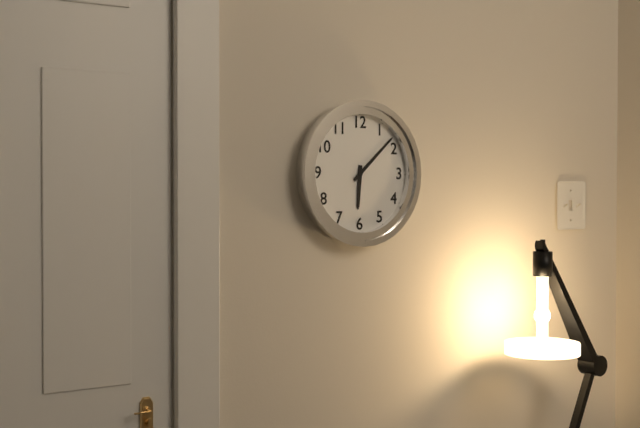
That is 6 h 08 min
